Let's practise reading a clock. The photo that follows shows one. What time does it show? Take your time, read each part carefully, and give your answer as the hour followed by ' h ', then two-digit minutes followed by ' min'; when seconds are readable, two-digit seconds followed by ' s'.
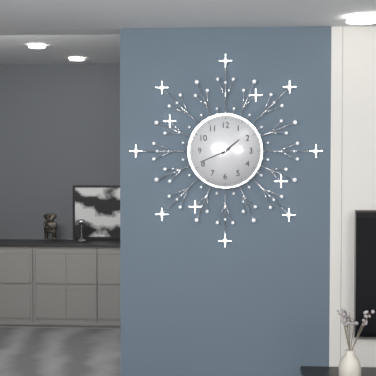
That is 1 h 41 min
